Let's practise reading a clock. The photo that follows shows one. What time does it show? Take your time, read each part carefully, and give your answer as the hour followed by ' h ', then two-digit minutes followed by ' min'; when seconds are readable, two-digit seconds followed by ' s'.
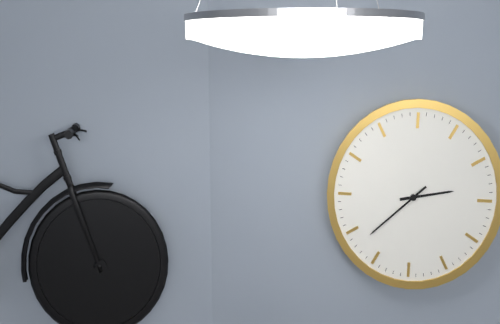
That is 2 h 38 min
